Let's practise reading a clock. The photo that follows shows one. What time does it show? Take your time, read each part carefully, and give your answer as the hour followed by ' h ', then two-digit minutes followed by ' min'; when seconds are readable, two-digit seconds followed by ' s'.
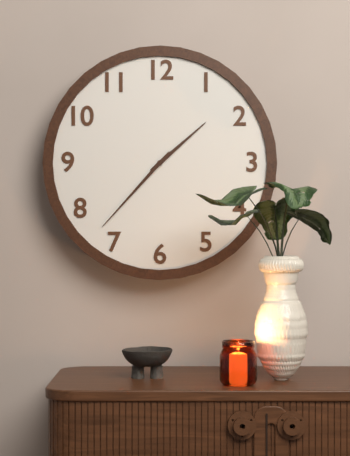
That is 1 h 37 min
